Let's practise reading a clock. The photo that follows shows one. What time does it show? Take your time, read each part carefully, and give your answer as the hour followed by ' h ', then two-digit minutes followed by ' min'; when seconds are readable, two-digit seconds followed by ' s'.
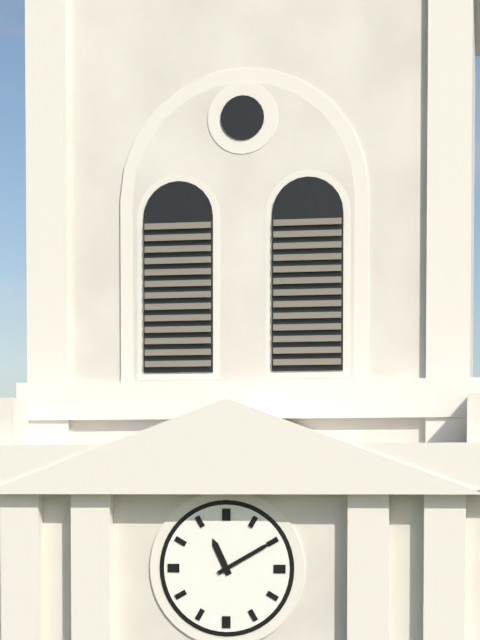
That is 11 h 10 min
